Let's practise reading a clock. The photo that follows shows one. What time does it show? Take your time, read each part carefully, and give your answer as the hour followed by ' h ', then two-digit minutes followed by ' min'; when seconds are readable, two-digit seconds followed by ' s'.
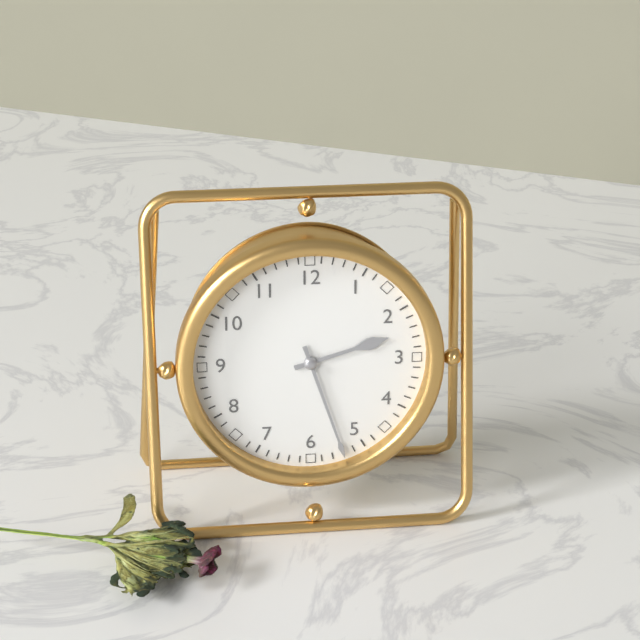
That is 2 h 27 min
